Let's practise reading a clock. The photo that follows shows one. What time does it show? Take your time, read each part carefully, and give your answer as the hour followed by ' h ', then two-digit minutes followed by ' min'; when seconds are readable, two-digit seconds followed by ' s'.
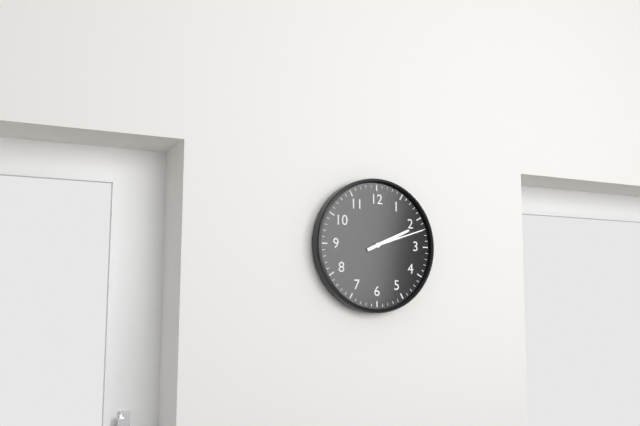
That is 2 h 12 min
